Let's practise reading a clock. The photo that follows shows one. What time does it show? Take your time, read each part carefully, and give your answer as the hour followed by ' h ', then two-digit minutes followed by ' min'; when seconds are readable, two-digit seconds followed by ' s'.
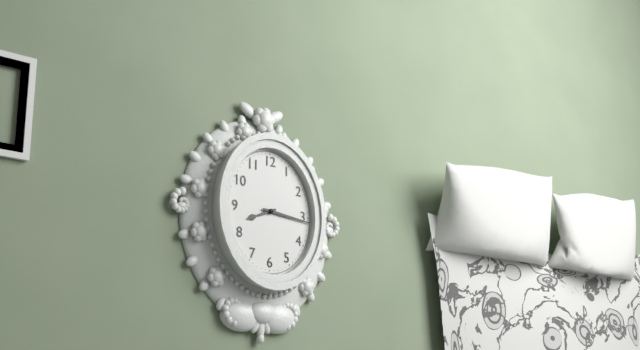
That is 8 h 16 min
